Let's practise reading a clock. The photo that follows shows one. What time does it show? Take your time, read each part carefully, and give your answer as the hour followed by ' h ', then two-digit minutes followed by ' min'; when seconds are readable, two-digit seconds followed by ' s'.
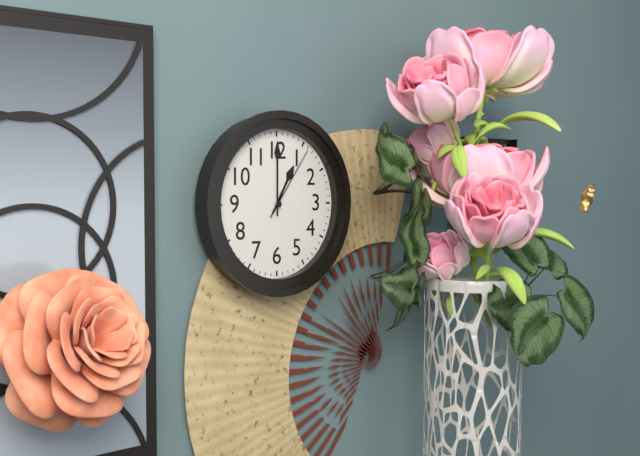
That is 1 h 00 min 06 s
